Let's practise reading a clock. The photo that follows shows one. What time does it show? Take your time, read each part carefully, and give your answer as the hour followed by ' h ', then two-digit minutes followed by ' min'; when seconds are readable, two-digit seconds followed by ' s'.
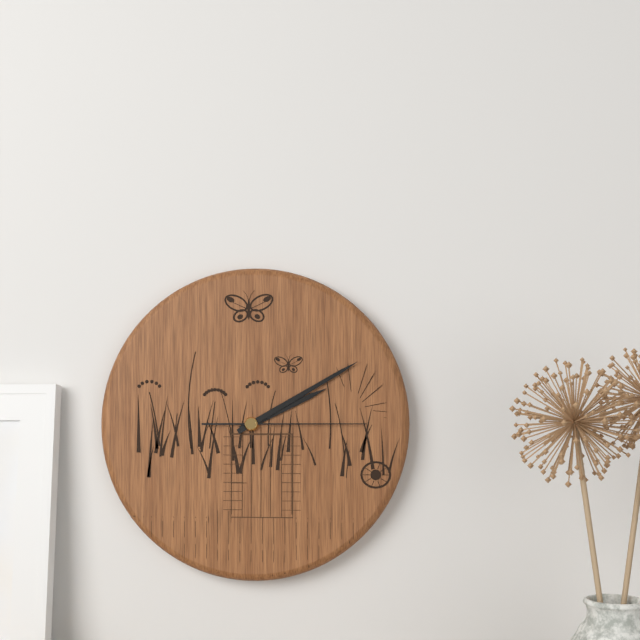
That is 2 h 10 min 15 s
